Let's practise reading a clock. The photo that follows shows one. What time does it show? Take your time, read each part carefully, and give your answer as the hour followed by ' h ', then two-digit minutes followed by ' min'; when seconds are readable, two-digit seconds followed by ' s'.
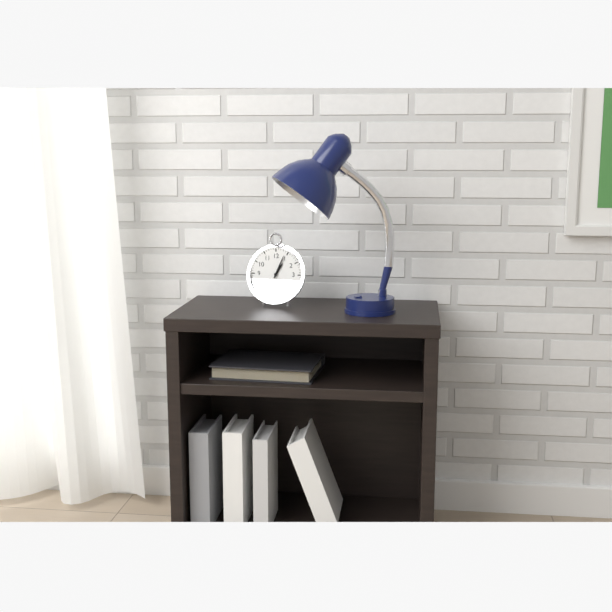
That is 1 h 04 min
